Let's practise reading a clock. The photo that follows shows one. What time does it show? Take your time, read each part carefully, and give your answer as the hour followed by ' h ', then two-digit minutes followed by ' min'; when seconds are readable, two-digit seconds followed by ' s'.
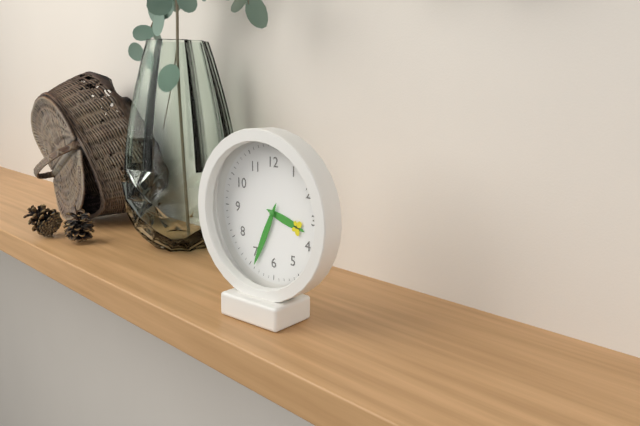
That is 3 h 34 min
